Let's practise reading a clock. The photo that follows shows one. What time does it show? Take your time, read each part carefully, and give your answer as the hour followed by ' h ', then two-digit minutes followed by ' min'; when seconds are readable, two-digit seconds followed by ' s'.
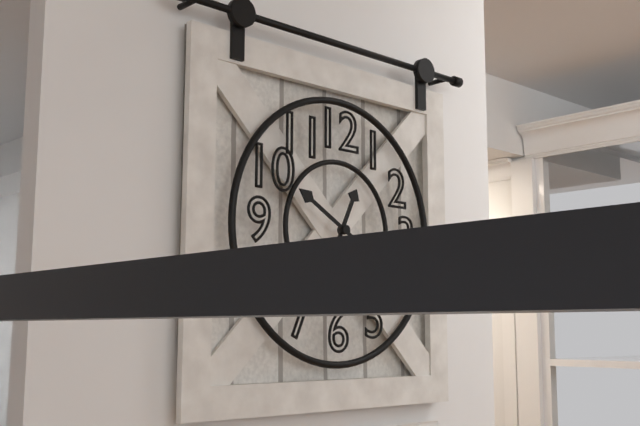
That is 12 h 50 min
